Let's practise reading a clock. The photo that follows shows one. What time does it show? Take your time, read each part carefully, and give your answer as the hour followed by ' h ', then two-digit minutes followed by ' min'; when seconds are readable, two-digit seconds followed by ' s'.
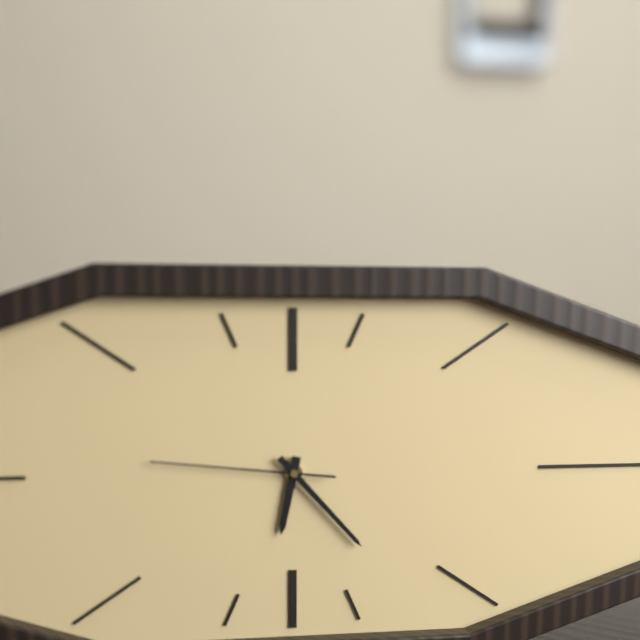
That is 6 h 23 min 46 s
